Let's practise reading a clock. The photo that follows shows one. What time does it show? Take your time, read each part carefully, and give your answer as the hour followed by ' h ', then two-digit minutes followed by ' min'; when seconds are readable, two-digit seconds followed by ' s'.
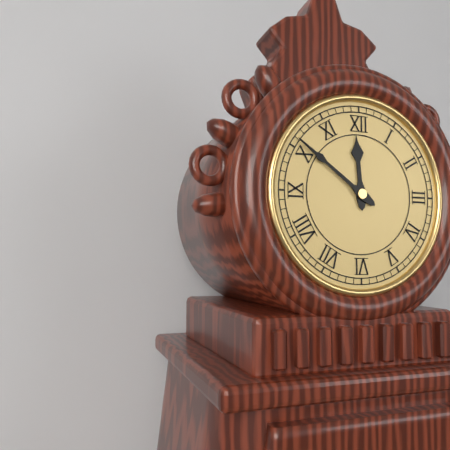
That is 11 h 51 min
